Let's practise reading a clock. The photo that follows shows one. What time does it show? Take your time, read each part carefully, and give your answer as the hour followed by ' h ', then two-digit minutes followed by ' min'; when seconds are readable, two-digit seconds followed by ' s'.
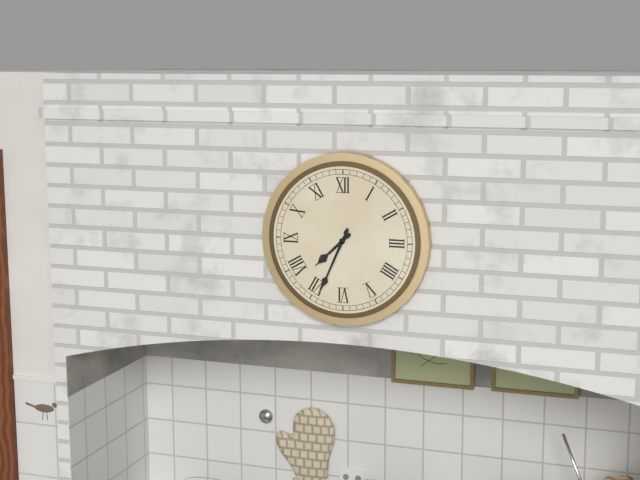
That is 7 h 34 min
